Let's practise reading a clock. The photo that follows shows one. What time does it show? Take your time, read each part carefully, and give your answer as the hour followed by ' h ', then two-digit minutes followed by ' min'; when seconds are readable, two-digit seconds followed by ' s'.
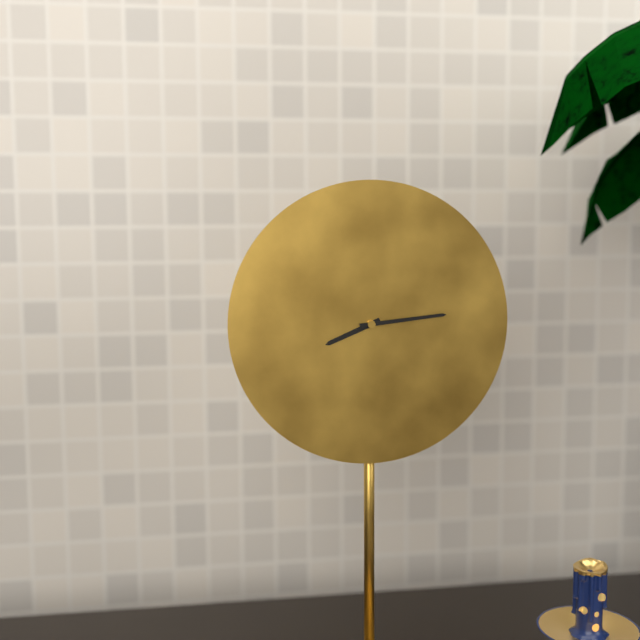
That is 8 h 14 min
